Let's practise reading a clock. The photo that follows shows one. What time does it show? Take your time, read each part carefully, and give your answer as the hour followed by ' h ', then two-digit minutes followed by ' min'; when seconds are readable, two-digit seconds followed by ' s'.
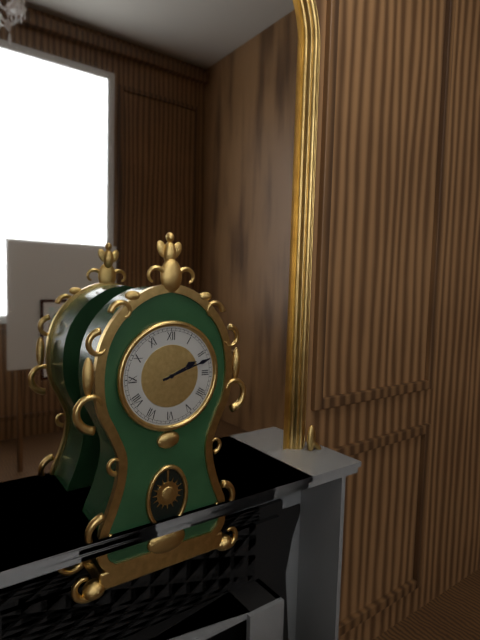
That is 2 h 12 min
